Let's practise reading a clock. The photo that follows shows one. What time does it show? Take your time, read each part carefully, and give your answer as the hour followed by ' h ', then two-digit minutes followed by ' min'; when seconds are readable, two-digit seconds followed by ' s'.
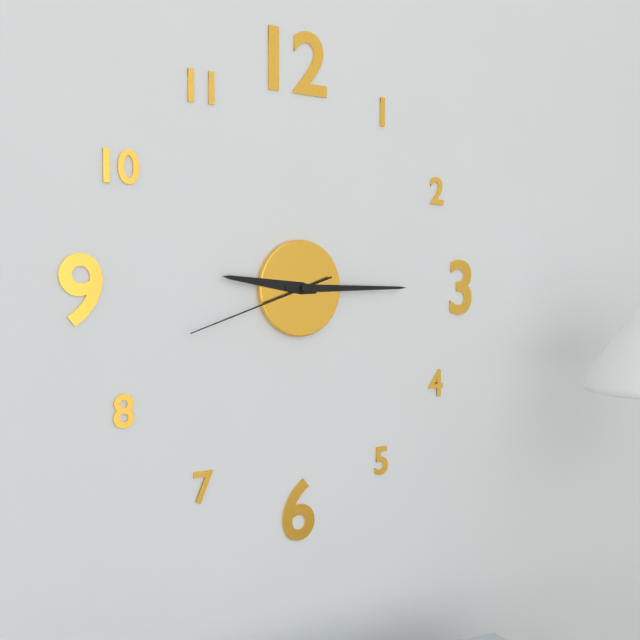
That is 9 h 15 min 42 s
